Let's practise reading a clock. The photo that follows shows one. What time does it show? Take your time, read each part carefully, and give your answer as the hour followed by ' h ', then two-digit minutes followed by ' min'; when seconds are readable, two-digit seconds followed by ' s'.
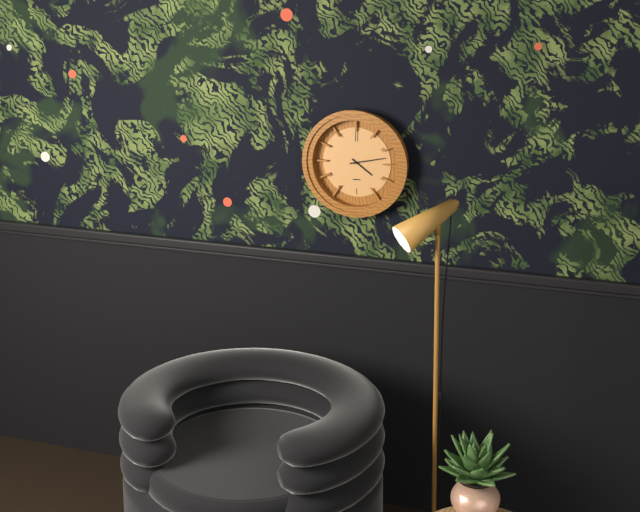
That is 4 h 13 min
